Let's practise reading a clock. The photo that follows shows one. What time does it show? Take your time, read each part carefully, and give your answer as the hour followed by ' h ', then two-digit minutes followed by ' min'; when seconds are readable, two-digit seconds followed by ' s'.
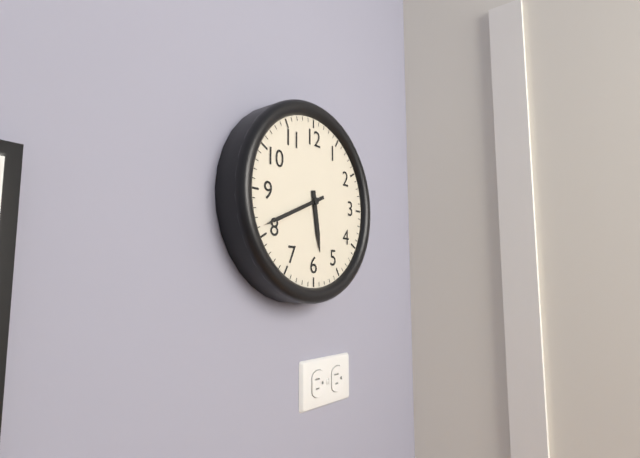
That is 5 h 41 min
